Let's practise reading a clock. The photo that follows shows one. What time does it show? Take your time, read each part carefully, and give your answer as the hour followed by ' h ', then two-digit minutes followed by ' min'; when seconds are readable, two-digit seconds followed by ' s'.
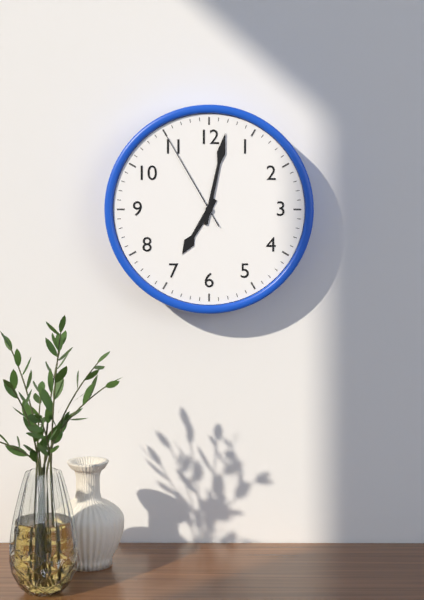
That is 7 h 02 min 55 s
